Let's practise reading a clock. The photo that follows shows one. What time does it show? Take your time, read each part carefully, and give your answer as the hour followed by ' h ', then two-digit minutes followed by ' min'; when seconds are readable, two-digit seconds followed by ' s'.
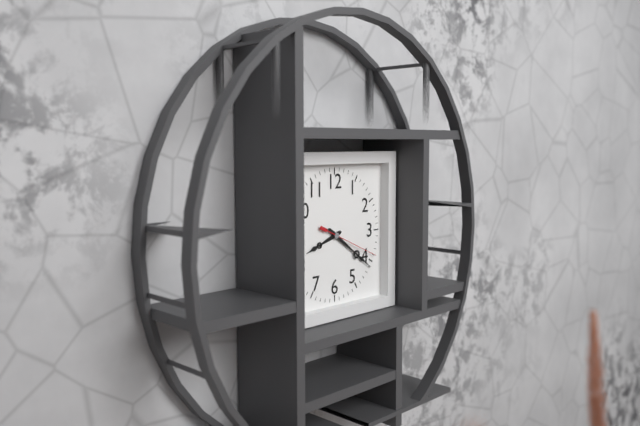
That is 8 h 21 min 19 s
